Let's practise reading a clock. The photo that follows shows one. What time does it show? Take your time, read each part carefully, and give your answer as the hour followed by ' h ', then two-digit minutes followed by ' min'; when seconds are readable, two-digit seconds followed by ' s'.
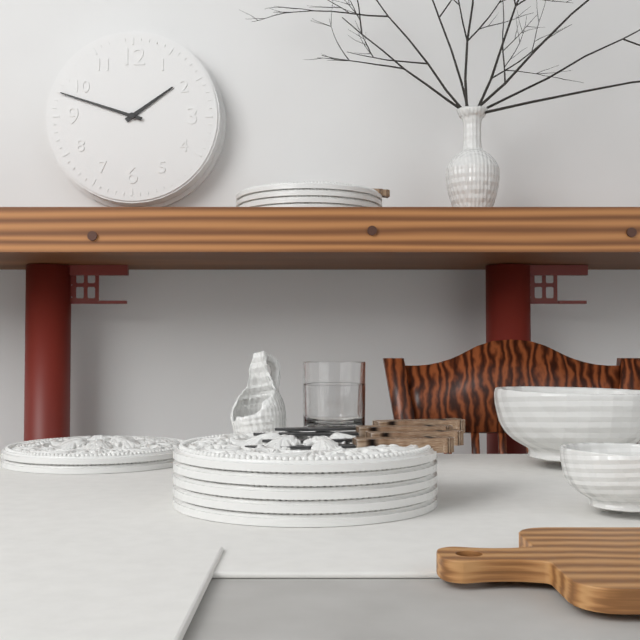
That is 1 h 48 min
